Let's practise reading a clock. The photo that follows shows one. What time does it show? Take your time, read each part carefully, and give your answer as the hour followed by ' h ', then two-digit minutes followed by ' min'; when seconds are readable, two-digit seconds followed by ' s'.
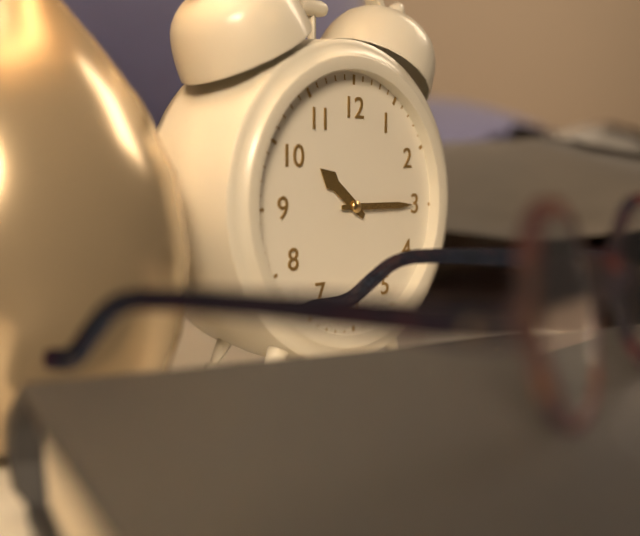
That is 10 h 15 min
